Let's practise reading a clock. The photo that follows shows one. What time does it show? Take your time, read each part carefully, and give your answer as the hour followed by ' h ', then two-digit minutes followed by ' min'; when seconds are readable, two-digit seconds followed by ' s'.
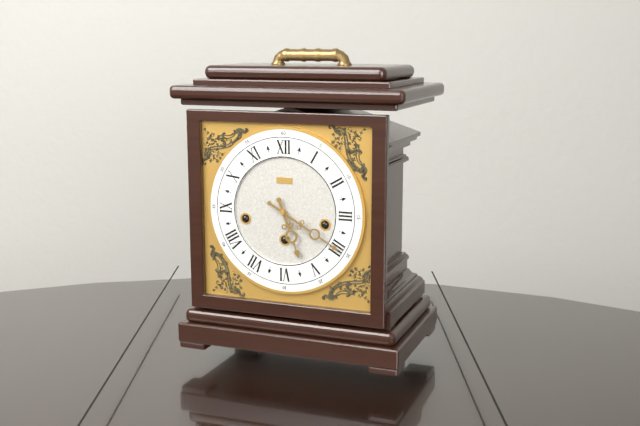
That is 5 h 20 min
